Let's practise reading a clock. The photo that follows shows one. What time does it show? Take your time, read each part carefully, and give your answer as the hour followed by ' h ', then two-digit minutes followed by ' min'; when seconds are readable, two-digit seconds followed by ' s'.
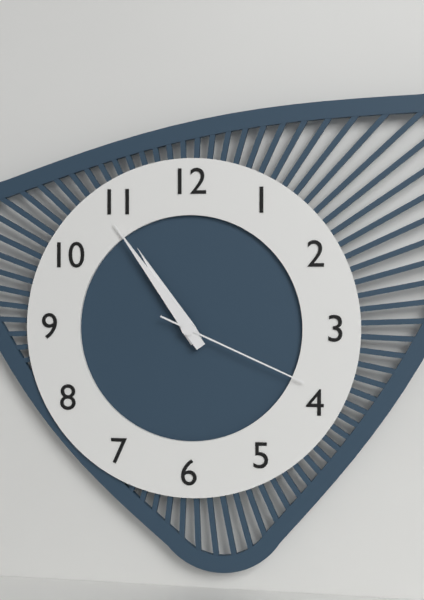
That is 10 h 54 min 19 s
